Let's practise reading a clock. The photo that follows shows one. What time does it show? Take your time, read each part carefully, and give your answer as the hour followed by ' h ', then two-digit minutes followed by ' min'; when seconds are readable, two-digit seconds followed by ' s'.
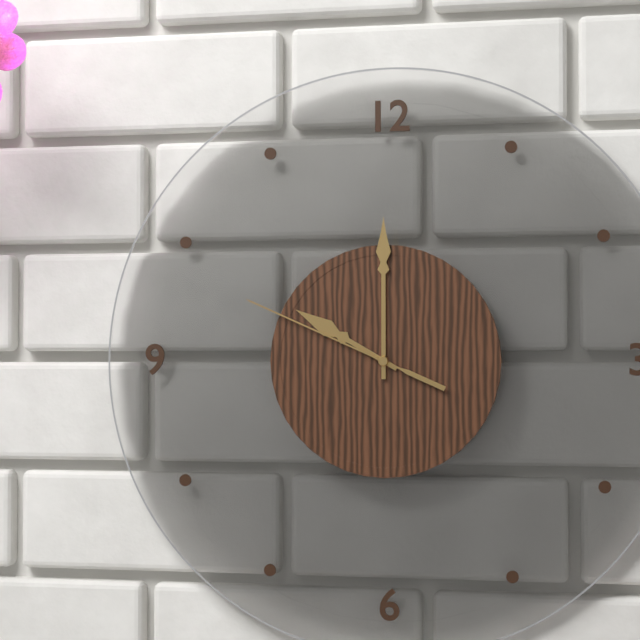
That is 10 h 00 min 49 s
